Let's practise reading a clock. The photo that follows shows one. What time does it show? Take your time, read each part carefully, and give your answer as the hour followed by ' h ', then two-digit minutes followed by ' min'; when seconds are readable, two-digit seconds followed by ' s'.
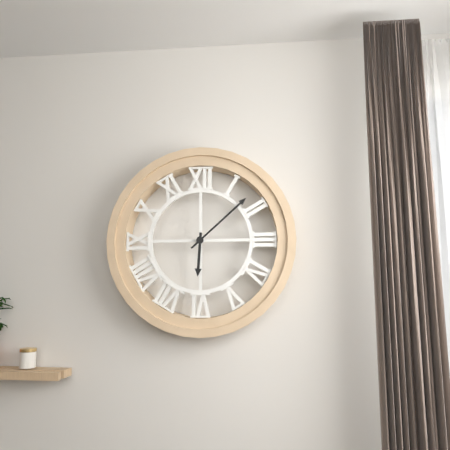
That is 6 h 08 min
